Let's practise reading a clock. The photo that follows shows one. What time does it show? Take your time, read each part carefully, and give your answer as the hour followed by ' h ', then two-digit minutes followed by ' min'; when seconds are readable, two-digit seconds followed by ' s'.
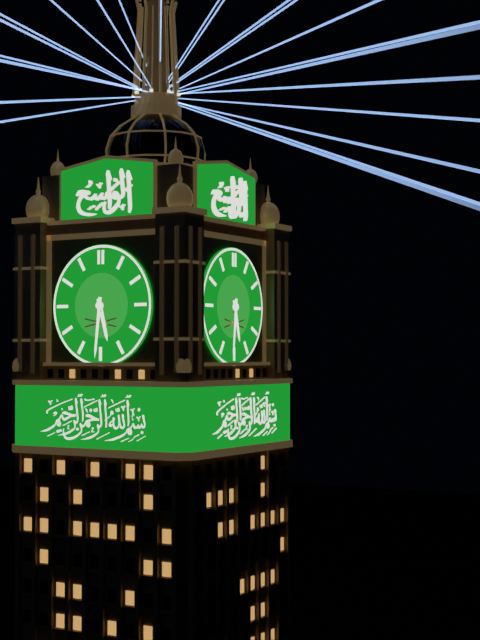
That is 5 h 31 min
